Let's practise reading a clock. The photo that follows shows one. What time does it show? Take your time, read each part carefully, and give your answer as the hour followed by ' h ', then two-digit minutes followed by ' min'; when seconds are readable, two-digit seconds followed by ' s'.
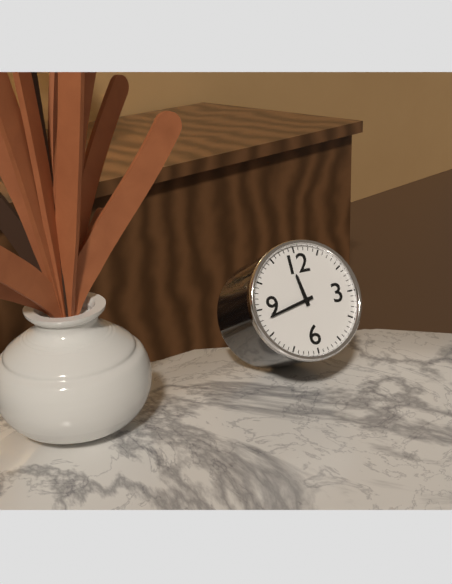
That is 11 h 43 min
